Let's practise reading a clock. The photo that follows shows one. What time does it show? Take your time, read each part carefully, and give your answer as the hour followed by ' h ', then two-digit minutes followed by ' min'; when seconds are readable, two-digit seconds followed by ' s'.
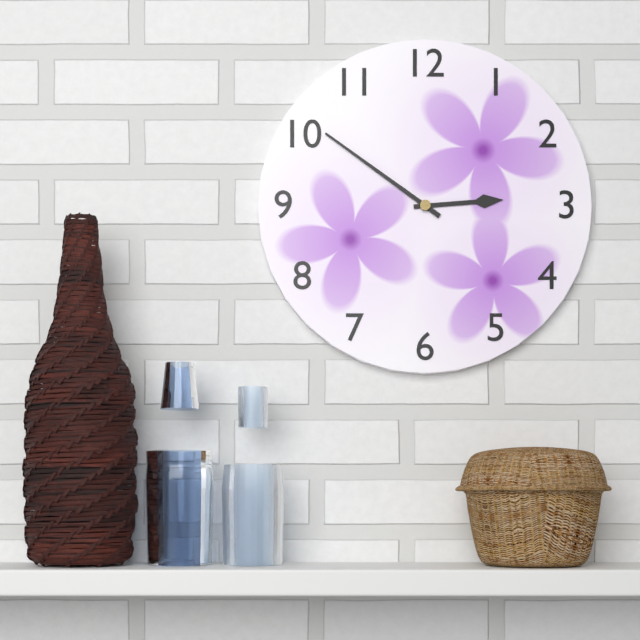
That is 2 h 51 min
